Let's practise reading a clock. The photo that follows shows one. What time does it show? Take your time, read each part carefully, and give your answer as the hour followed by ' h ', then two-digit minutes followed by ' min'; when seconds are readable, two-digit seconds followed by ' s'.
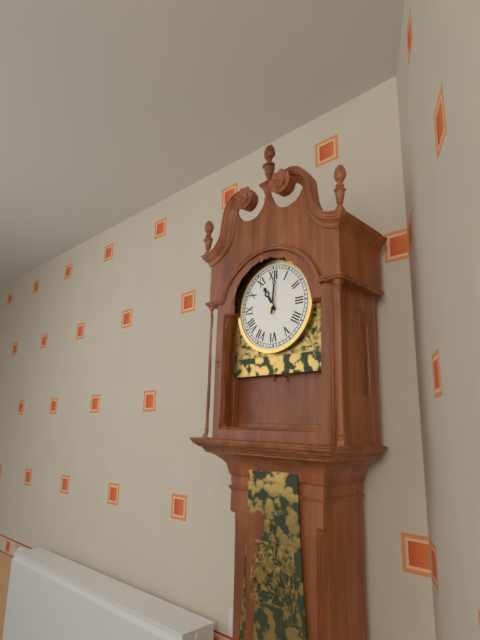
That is 11 h 01 min
